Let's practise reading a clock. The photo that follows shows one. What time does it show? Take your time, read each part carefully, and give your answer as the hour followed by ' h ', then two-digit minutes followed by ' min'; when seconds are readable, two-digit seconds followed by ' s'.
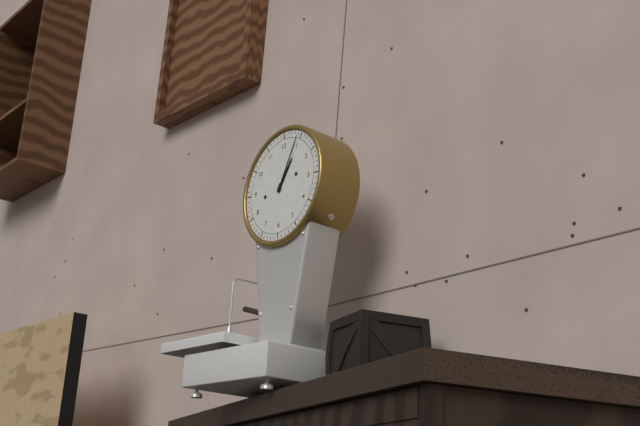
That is 1 h 04 min
